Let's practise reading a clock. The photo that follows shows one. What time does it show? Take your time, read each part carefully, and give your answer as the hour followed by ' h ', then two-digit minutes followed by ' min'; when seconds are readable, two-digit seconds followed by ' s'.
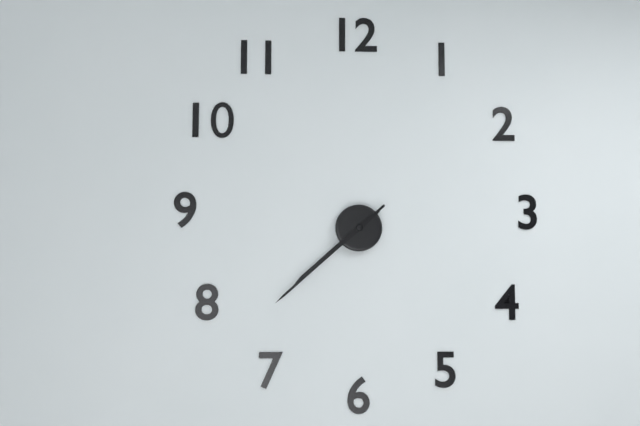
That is 7 h 38 min
